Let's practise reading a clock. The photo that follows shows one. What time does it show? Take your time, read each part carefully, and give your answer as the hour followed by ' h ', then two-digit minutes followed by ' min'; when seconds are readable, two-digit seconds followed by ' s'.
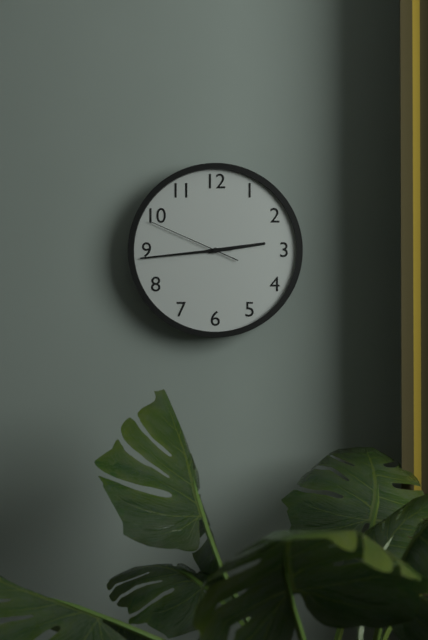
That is 2 h 44 min 49 s
